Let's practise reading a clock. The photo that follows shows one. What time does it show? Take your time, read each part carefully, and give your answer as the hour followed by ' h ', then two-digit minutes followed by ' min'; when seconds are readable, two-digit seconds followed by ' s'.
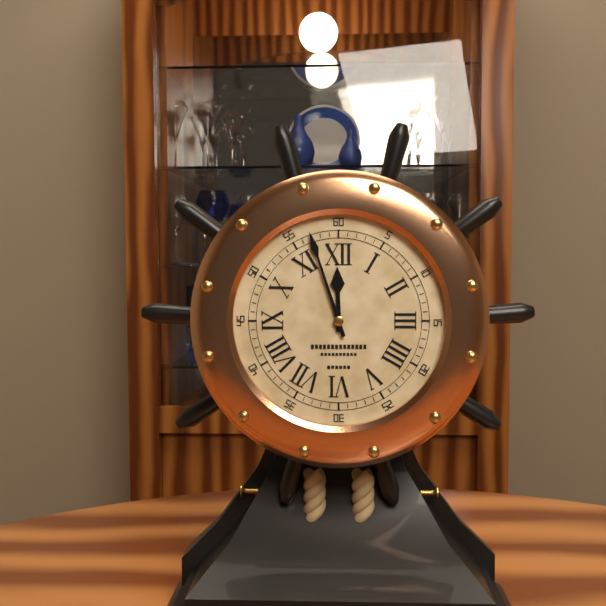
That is 11 h 57 min
